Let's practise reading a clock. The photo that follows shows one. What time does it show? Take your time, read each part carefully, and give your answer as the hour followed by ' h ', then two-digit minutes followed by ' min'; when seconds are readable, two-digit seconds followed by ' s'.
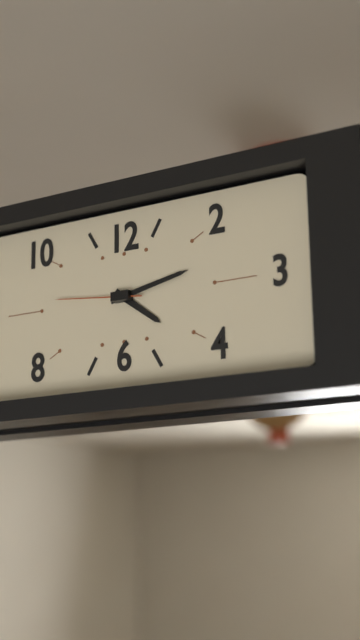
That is 4 h 13 min 46 s
